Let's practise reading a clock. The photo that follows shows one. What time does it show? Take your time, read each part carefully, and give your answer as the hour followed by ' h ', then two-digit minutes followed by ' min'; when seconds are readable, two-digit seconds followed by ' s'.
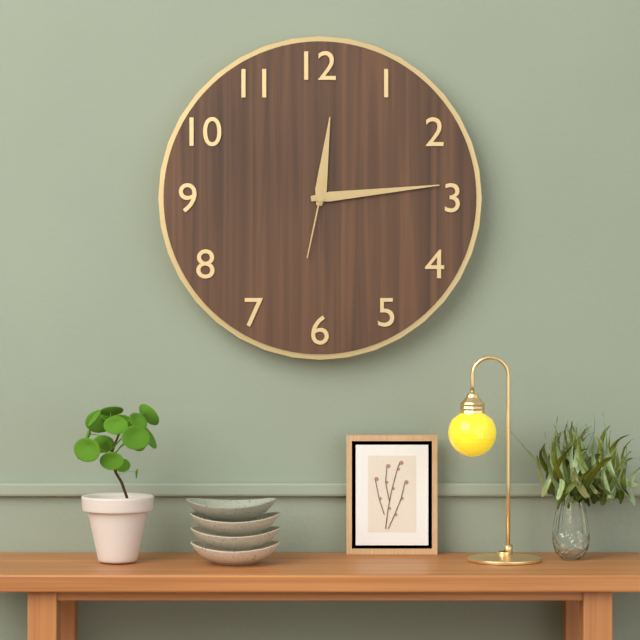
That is 12 h 14 min 32 s
